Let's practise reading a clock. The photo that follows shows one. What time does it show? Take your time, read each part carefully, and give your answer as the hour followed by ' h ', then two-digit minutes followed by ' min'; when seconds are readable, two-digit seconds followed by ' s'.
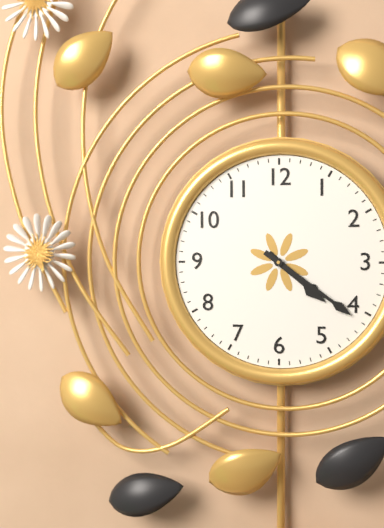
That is 4 h 21 min
